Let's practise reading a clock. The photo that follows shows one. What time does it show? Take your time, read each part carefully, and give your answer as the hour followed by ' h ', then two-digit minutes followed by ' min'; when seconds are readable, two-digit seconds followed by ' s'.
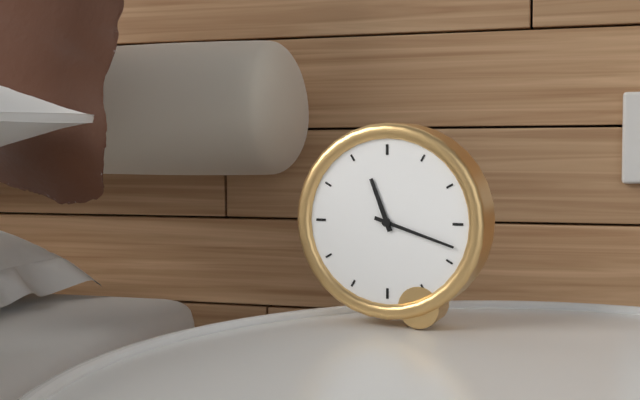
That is 11 h 18 min
